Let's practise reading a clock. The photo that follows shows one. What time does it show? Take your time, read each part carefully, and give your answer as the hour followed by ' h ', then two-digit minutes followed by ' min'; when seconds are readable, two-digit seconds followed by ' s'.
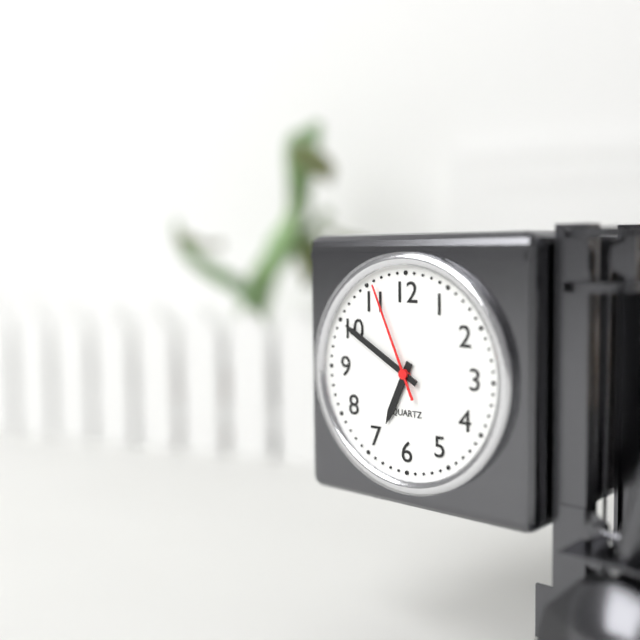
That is 6 h 50 min 56 s
